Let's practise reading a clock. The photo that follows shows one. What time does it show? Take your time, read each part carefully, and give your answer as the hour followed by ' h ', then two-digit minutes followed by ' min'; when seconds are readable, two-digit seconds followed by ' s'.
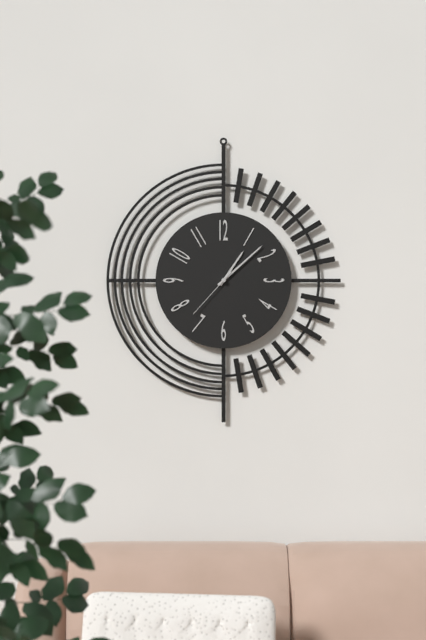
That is 1 h 08 min 37 s
